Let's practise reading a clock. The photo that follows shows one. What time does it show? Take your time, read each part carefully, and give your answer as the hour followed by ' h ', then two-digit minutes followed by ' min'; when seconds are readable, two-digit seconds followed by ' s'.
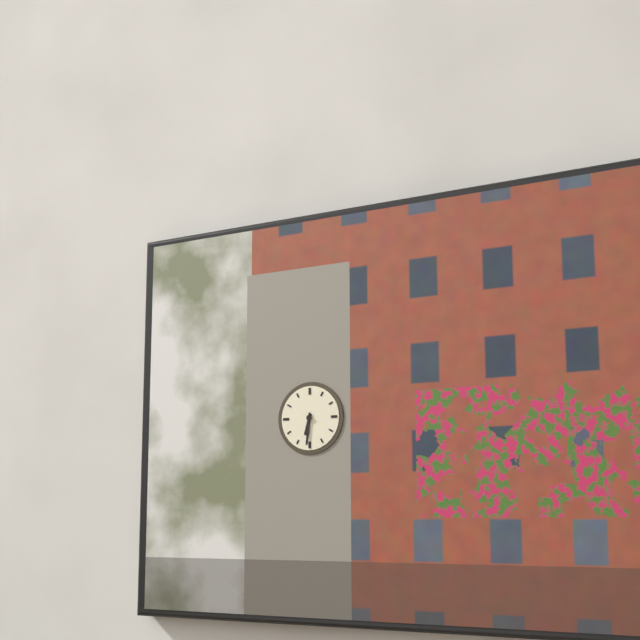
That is 6 h 31 min
